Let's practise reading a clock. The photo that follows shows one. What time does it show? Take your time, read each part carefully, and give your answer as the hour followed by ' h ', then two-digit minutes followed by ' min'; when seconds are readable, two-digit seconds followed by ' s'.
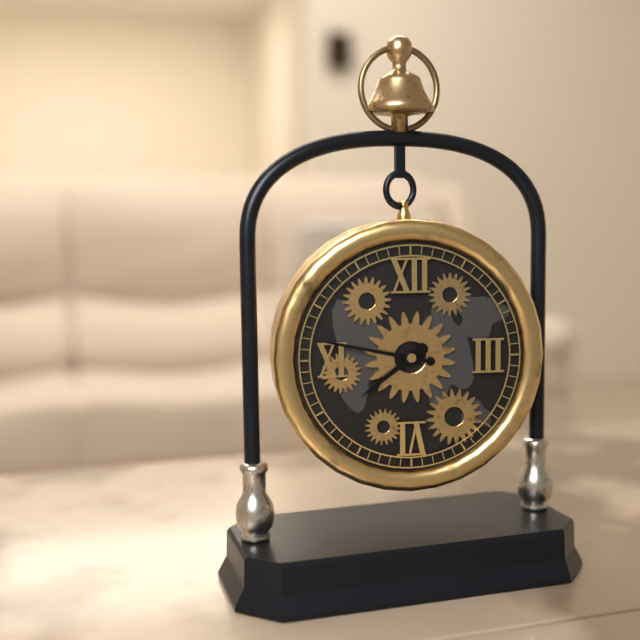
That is 7 h 47 min
